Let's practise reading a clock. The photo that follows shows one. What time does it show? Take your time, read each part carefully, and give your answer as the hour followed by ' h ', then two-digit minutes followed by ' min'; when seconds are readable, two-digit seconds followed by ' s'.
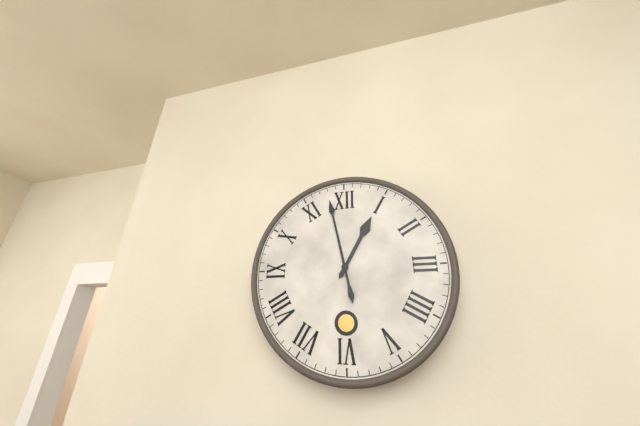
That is 12 h 58 min
